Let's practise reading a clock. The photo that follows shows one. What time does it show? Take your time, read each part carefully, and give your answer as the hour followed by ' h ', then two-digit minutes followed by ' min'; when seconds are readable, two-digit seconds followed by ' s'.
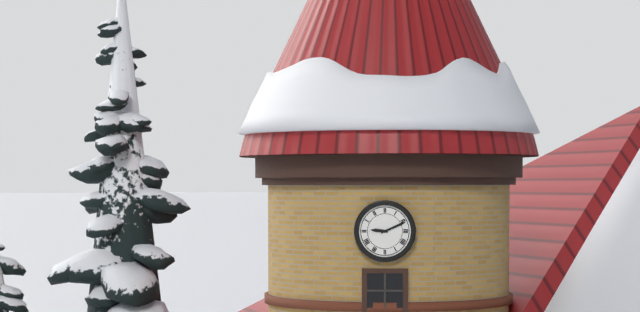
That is 9 h 11 min
